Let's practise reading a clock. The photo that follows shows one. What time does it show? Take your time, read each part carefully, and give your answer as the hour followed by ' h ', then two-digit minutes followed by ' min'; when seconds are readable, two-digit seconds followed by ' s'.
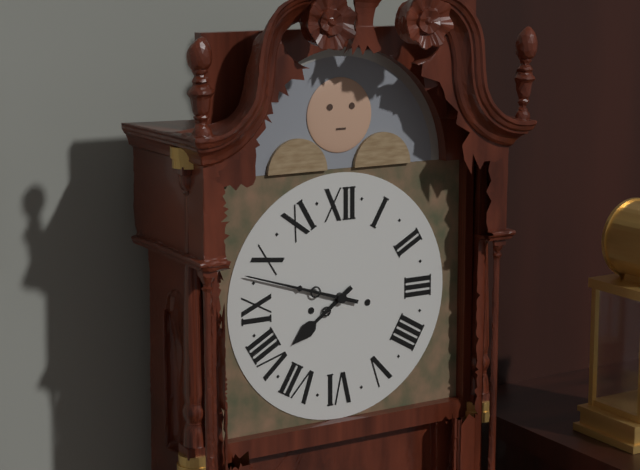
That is 7 h 48 min
